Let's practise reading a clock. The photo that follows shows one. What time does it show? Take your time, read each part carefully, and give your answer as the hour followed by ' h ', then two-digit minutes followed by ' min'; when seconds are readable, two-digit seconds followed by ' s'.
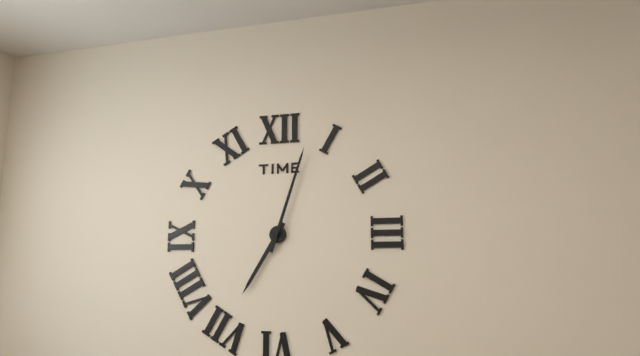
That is 7 h 03 min
